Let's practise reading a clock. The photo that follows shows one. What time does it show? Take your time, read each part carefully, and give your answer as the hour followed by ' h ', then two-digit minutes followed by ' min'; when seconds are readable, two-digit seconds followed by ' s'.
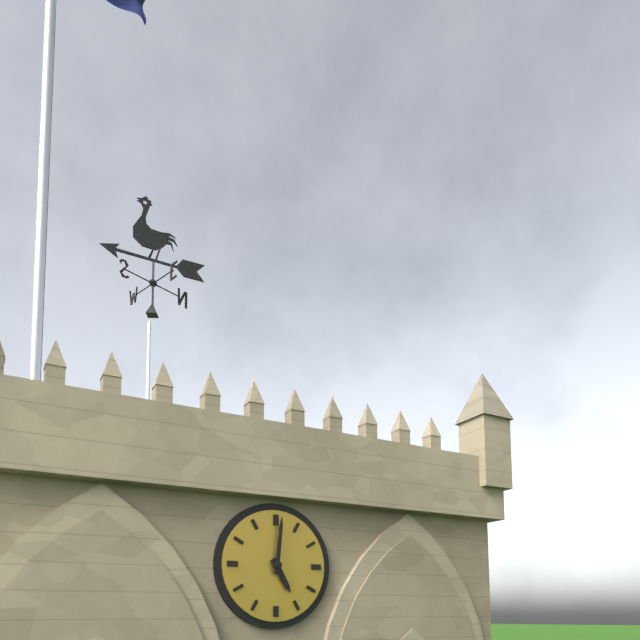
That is 5 h 01 min
